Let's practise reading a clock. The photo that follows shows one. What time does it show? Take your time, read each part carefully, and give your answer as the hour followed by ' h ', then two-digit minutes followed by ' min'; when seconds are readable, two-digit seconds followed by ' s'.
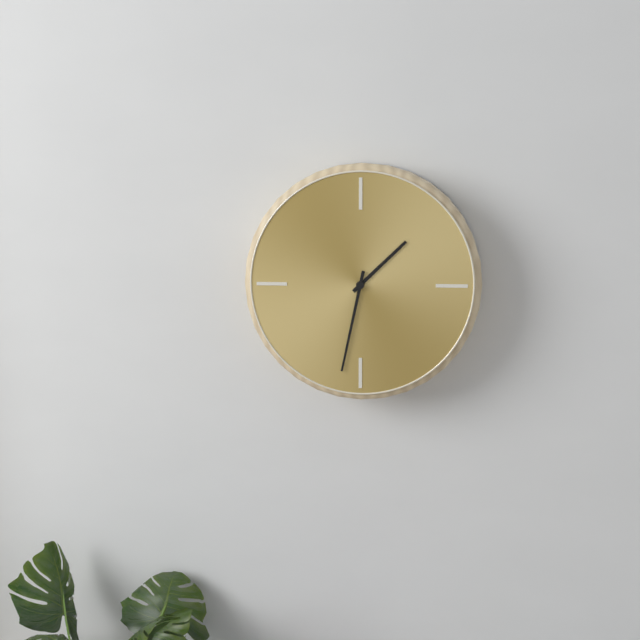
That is 1 h 32 min
